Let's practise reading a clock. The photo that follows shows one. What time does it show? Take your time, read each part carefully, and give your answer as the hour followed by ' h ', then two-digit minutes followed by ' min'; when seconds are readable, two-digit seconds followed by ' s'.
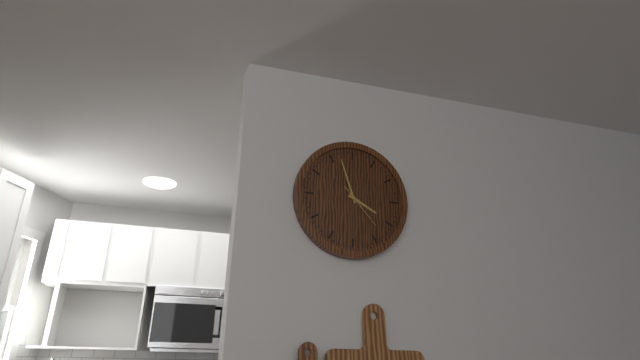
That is 3 h 57 min
